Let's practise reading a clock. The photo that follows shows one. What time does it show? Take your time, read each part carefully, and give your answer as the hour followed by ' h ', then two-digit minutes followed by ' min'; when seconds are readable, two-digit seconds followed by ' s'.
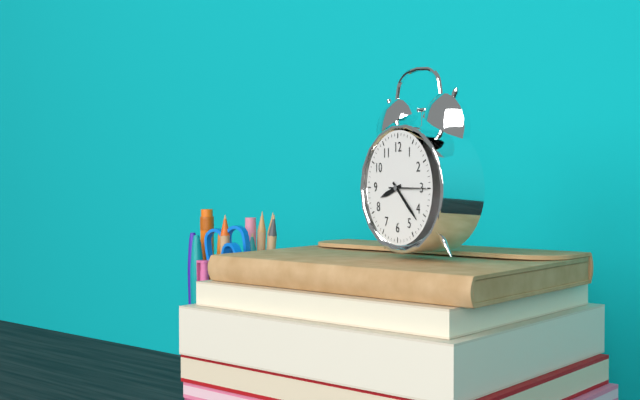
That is 8 h 22 min
